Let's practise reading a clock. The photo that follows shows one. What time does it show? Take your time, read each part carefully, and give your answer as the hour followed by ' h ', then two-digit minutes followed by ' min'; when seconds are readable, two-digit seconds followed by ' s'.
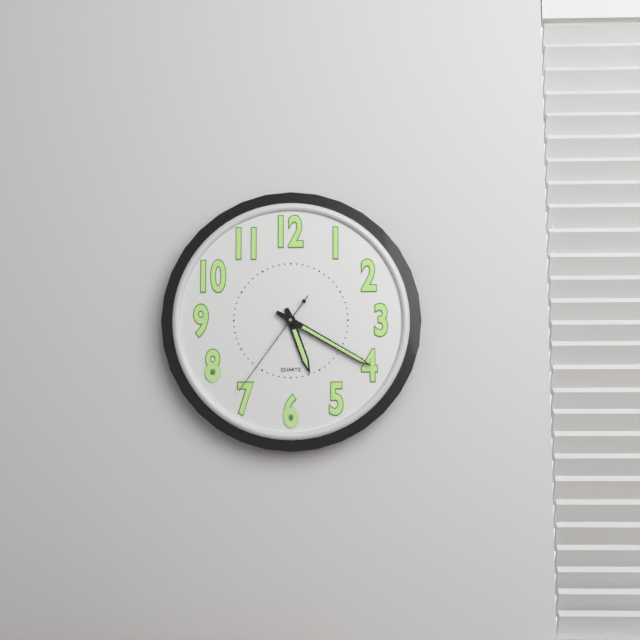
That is 5 h 20 min 36 s
